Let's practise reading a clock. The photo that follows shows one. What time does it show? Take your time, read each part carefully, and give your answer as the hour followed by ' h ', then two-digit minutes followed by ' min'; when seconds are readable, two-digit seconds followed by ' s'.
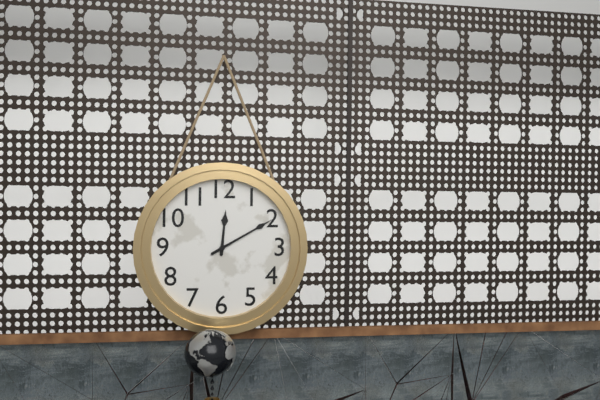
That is 12 h 10 min
